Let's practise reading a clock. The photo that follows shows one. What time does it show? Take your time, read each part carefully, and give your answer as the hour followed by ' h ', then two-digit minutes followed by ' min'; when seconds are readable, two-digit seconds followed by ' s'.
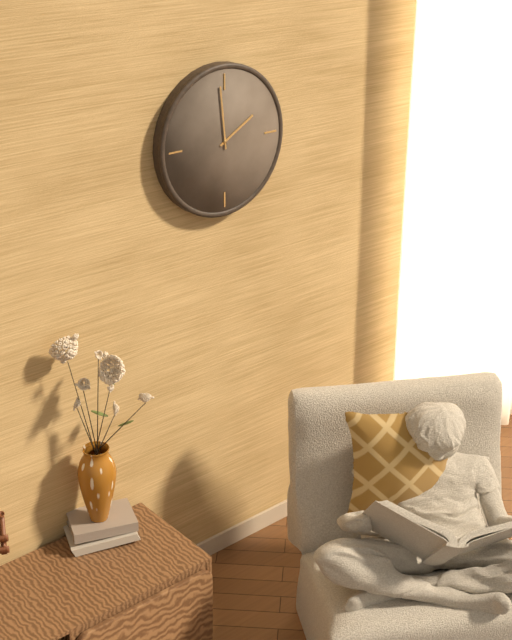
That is 1 h 59 min
